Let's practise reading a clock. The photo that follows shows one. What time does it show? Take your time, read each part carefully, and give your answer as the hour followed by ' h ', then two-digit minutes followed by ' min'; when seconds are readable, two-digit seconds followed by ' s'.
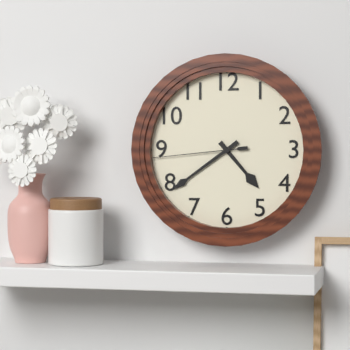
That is 4 h 39 min 44 s
